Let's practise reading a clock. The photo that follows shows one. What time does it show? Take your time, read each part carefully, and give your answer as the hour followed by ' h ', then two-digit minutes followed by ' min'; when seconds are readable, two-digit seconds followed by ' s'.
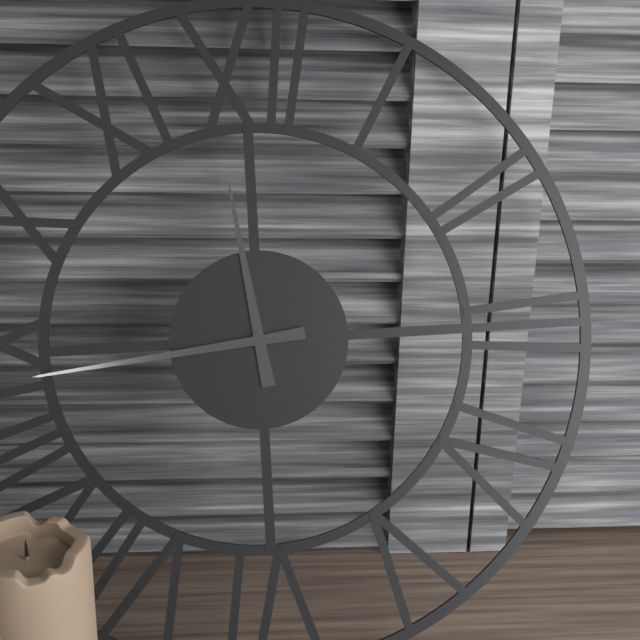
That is 11 h 44 min
